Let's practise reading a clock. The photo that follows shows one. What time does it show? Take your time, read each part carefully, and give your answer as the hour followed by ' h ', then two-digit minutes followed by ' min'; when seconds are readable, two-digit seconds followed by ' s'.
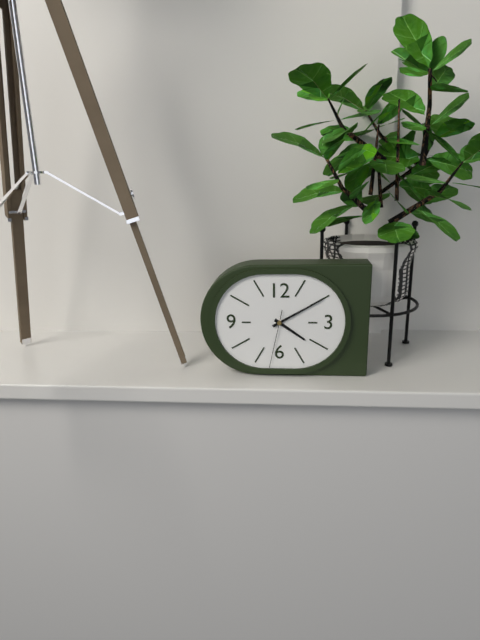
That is 4 h 10 min 32 s
